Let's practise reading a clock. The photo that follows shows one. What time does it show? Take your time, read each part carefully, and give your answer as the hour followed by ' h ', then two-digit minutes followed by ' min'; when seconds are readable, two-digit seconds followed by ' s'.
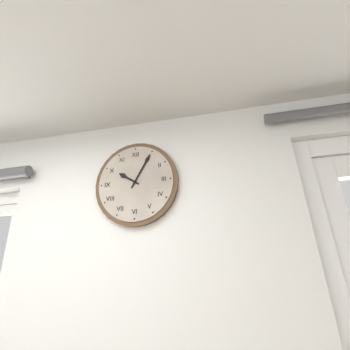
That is 10 h 05 min
